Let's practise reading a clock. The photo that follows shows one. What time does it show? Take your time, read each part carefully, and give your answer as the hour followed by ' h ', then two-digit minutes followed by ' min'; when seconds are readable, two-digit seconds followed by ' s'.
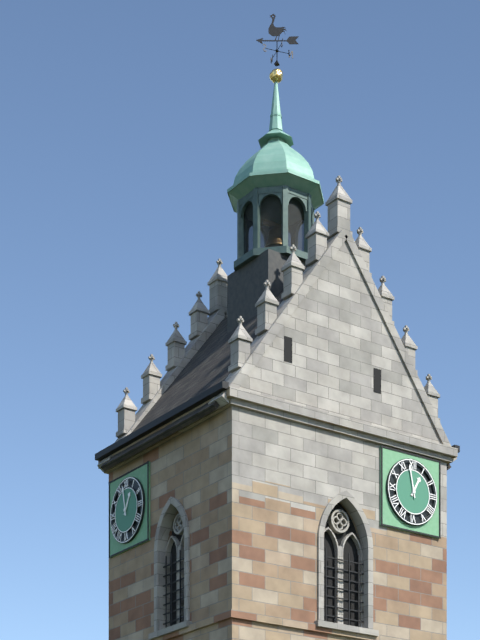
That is 12 h 58 min
